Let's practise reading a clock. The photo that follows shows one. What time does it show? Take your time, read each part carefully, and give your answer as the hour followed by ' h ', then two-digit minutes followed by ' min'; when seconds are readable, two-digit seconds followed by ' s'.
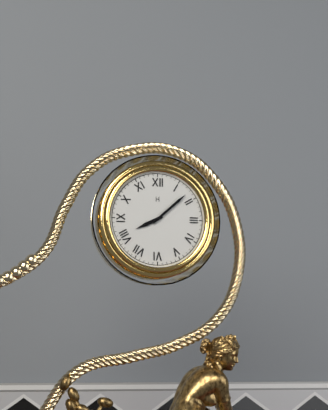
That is 8 h 08 min
